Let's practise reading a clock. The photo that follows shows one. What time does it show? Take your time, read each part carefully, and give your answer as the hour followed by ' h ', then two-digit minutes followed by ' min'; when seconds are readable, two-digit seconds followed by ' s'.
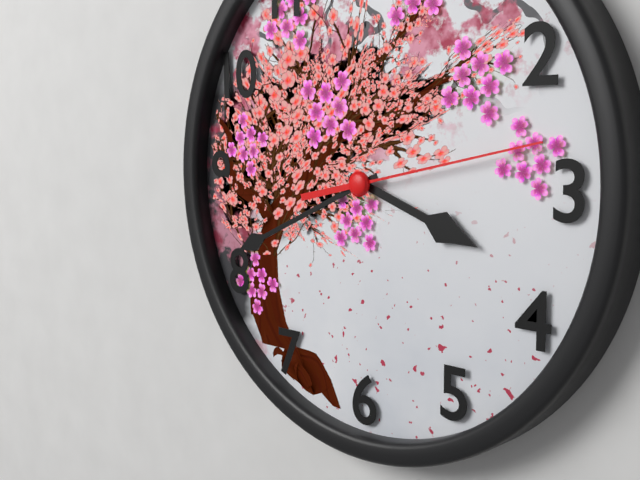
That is 3 h 41 min 13 s
